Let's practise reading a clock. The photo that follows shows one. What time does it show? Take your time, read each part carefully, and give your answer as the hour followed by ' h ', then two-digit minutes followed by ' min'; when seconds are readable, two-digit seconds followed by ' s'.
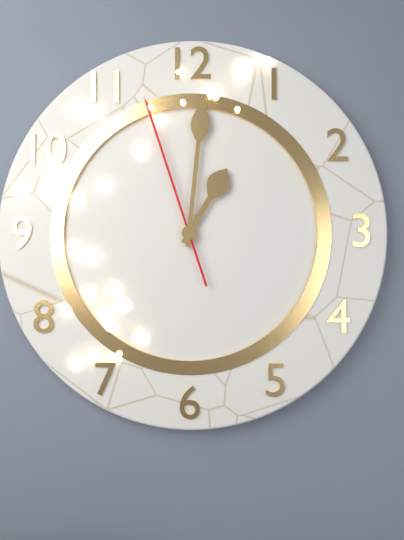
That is 1 h 01 min 57 s
